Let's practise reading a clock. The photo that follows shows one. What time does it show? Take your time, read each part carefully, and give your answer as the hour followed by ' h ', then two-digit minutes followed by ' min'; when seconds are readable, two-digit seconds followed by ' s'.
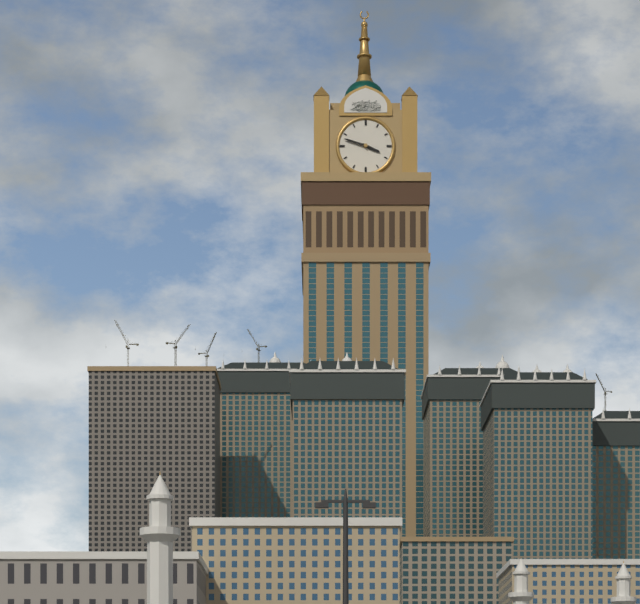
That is 3 h 48 min
